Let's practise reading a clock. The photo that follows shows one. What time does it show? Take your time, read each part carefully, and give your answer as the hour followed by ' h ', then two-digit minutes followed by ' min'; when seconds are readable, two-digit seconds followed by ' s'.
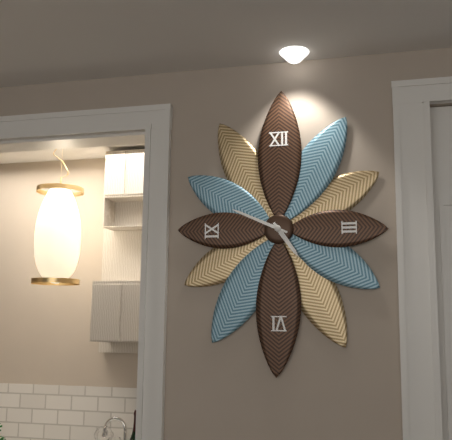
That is 4 h 49 min
